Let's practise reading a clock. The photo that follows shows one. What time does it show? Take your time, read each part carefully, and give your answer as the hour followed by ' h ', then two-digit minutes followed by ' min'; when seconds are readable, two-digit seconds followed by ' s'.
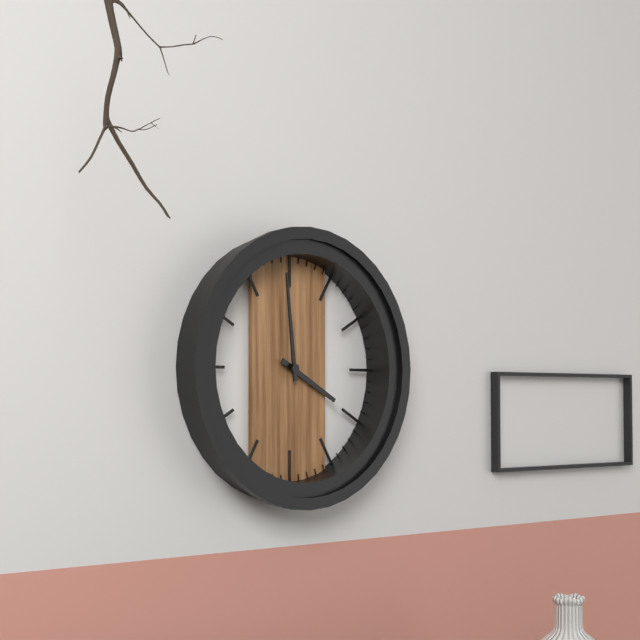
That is 3 h 59 min
